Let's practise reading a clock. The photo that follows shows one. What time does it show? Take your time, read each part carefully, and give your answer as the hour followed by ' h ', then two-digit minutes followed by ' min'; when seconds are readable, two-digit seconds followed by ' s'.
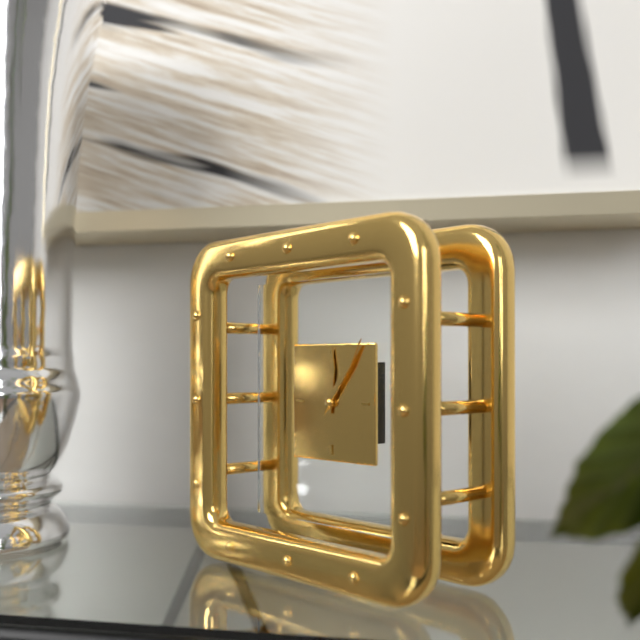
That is 12 h 06 min
